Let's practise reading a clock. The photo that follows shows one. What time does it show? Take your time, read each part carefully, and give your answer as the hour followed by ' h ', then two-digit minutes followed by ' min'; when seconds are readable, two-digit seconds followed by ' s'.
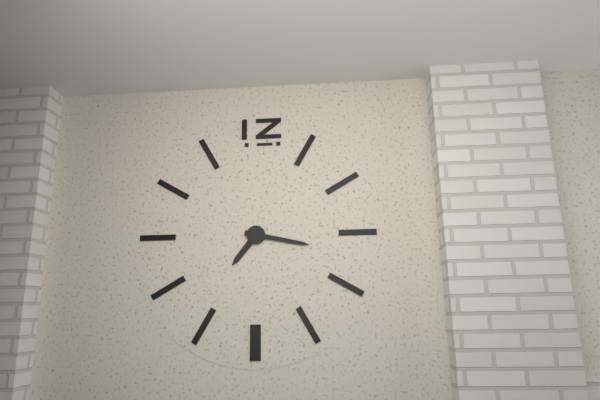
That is 7 h 17 min
